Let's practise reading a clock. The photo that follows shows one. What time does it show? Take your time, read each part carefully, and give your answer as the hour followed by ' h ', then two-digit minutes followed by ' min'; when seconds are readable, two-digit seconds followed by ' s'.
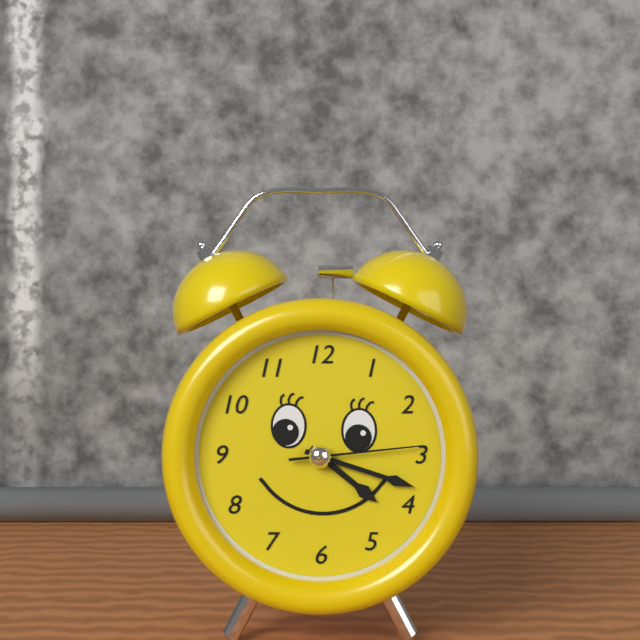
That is 4 h 18 min 14 s
